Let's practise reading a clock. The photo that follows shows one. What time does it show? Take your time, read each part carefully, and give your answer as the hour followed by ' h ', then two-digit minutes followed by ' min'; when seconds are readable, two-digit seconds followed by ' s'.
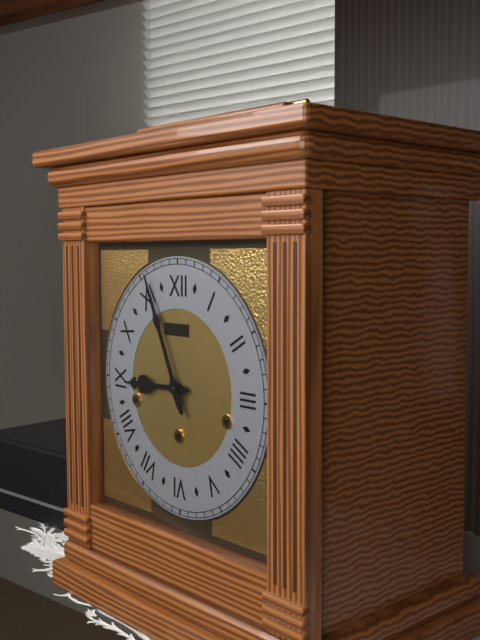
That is 8 h 56 min
